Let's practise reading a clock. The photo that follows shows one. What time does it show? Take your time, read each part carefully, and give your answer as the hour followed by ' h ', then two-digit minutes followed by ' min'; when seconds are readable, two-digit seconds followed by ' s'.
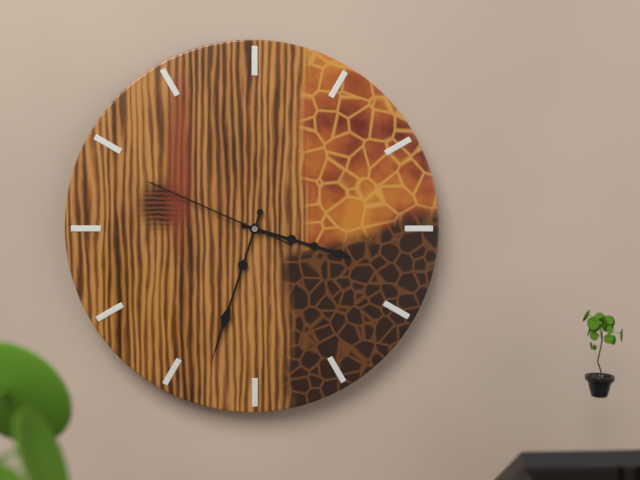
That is 3 h 33 min 49 s
